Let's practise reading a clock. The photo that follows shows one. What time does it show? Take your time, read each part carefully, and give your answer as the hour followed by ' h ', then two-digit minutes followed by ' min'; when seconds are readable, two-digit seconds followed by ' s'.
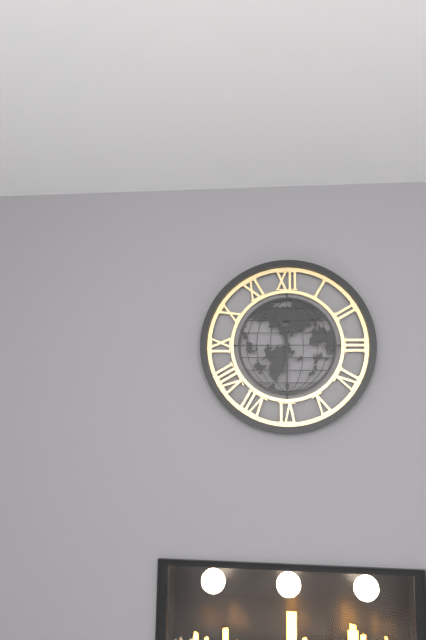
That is 11 h 30 min
